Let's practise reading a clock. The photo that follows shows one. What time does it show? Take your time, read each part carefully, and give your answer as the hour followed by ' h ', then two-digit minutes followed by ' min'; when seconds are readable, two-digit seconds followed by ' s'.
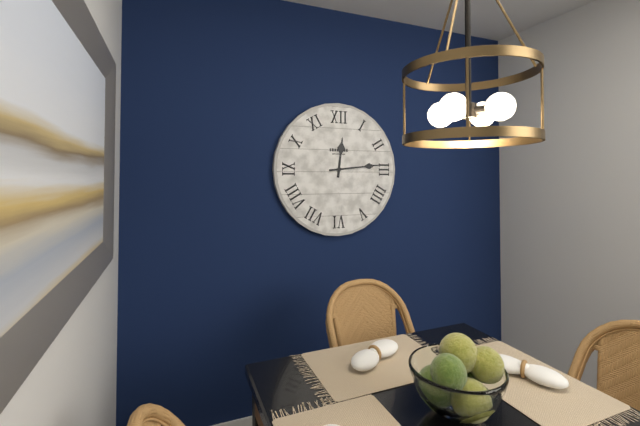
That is 12 h 14 min
